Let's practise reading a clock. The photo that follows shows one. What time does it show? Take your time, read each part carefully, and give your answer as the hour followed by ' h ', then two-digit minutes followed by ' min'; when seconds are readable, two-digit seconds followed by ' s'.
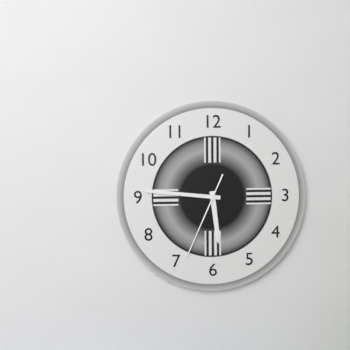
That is 5 h 46 min 34 s
